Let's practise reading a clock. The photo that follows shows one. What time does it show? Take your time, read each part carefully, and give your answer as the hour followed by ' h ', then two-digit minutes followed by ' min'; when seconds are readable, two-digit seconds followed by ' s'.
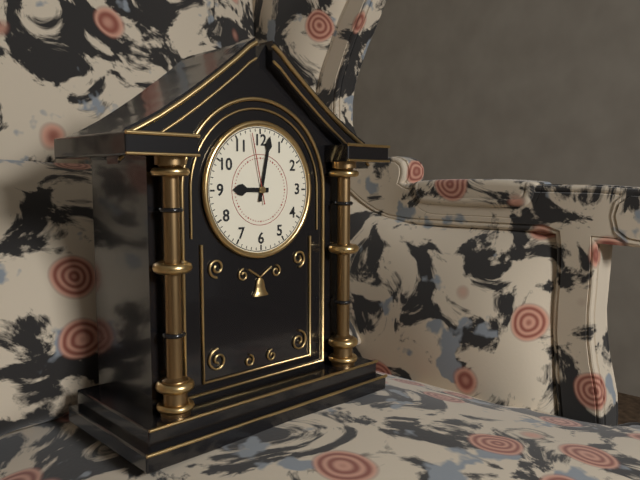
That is 9 h 02 min 58 s
